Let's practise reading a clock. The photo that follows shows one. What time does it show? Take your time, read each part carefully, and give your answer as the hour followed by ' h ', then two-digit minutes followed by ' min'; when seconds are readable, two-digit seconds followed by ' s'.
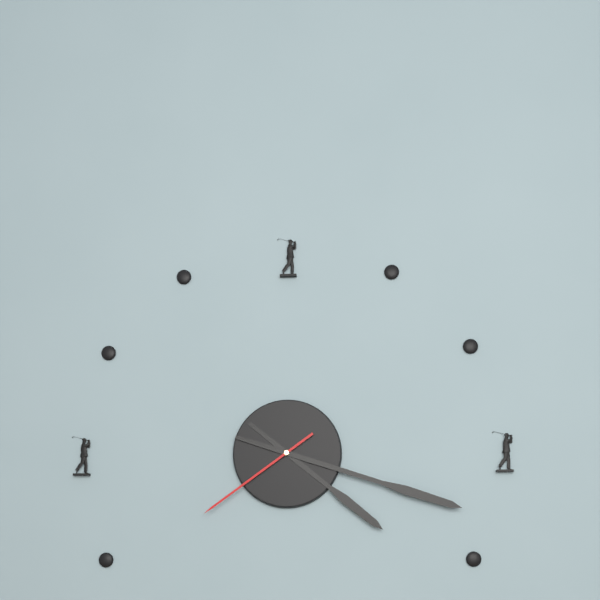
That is 4 h 18 min 39 s
